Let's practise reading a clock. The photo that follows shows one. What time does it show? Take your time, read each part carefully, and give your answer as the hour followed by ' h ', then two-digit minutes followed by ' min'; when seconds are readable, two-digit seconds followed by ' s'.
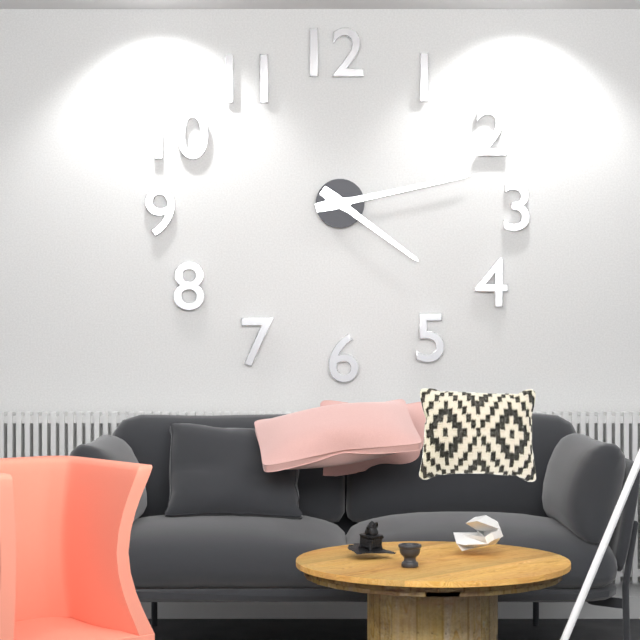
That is 4 h 13 min
